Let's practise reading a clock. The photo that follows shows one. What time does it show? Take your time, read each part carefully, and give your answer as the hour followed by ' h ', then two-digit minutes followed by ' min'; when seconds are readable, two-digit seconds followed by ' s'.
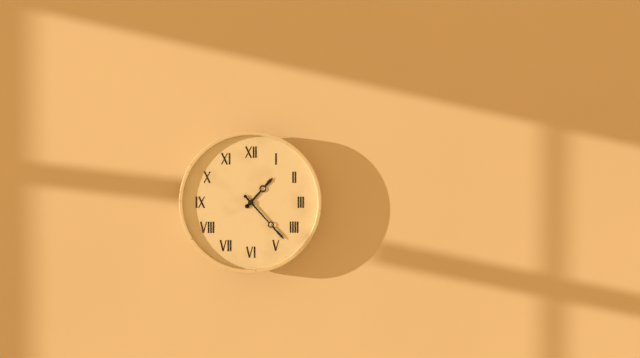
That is 1 h 23 min
